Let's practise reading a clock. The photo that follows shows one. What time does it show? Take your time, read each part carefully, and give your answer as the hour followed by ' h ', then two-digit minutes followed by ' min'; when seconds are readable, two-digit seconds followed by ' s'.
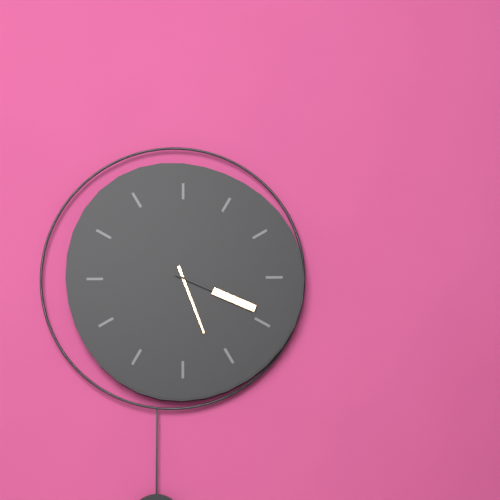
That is 5 h 19 min
